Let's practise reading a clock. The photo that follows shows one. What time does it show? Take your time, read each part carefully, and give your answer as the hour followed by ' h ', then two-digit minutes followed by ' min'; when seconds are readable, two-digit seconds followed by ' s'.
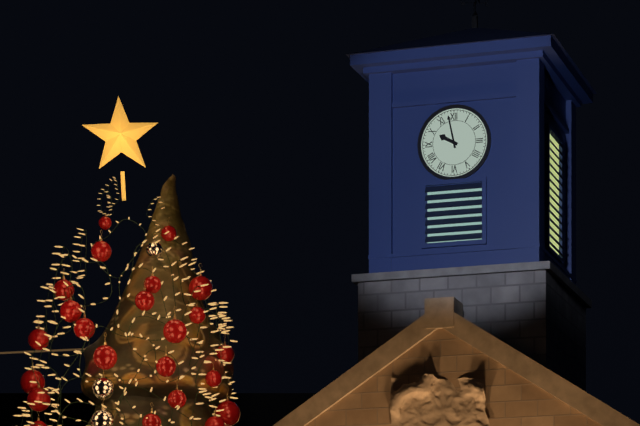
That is 9 h 58 min
